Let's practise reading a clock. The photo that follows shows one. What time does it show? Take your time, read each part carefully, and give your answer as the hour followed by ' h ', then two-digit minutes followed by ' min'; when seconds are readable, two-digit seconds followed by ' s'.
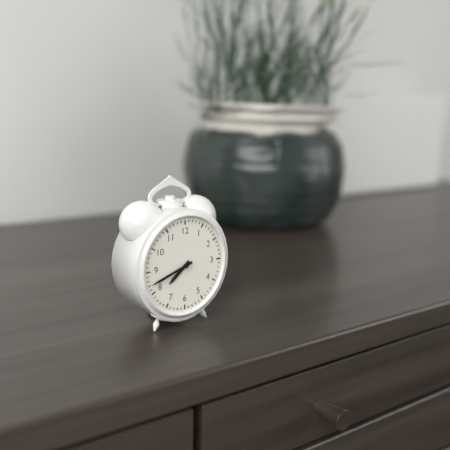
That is 7 h 42 min
